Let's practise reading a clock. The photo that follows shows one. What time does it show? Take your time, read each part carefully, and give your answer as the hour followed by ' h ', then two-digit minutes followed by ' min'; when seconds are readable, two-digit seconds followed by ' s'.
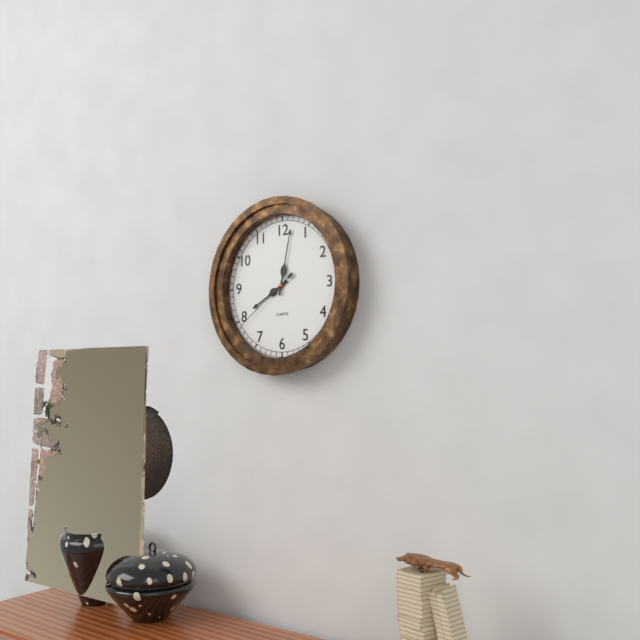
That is 8 h 02 min 39 s
